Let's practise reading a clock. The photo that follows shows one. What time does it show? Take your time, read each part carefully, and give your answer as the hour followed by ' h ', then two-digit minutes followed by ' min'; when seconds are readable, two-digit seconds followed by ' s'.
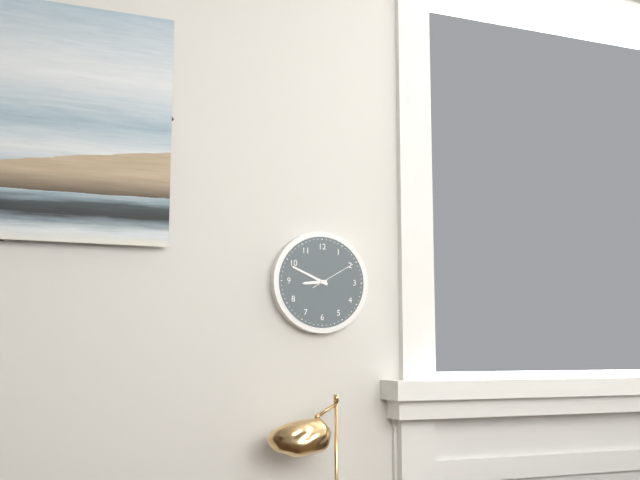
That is 8 h 49 min
